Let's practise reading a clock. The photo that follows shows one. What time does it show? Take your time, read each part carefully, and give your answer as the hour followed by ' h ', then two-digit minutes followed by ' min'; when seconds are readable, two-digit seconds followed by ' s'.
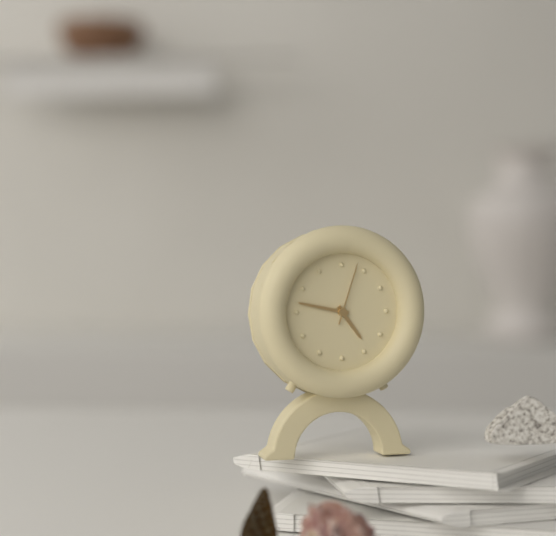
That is 4 h 47 min 03 s
